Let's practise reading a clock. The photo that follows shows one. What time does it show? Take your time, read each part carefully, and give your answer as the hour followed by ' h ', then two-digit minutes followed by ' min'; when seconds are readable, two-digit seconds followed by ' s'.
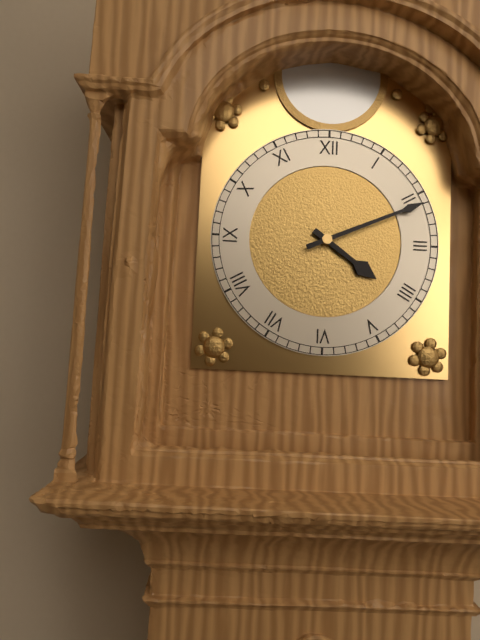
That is 4 h 11 min
